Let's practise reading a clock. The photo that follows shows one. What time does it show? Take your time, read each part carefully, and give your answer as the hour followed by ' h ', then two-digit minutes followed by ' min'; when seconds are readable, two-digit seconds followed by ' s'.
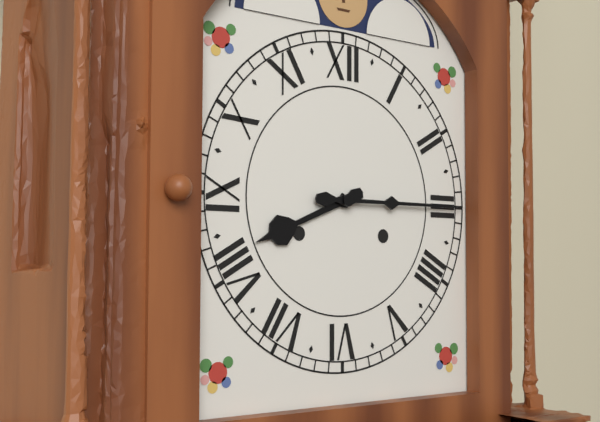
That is 8 h 15 min
